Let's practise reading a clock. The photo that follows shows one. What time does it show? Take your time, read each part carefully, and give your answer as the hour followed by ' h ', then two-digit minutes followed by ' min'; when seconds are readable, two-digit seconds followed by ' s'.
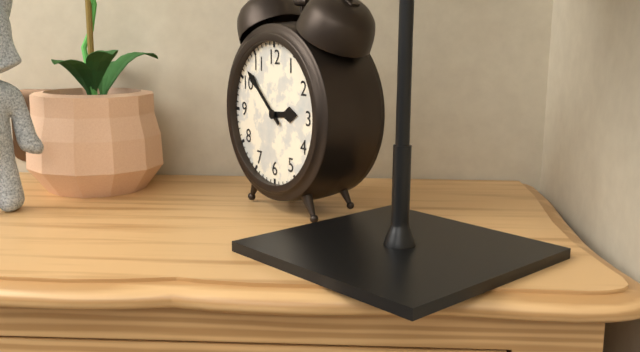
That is 2 h 52 min
